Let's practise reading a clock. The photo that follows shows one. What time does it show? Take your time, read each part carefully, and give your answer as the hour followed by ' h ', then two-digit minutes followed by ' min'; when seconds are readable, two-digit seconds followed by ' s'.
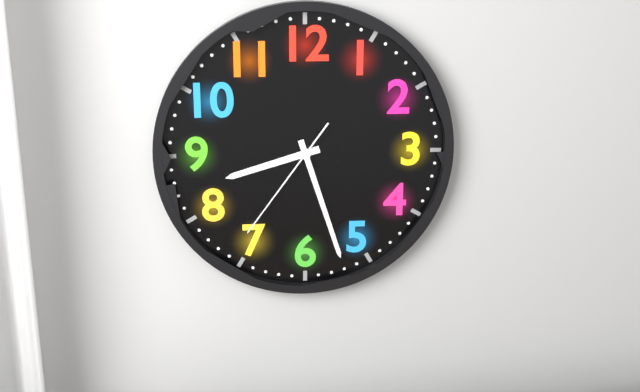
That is 8 h 27 min 36 s
